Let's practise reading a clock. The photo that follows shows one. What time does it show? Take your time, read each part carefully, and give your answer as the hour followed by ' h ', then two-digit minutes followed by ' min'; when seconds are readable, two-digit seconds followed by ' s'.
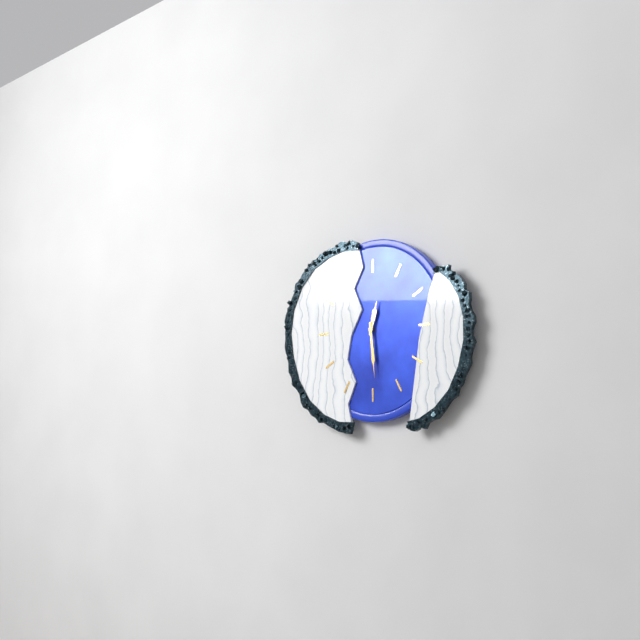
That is 12 h 29 min
